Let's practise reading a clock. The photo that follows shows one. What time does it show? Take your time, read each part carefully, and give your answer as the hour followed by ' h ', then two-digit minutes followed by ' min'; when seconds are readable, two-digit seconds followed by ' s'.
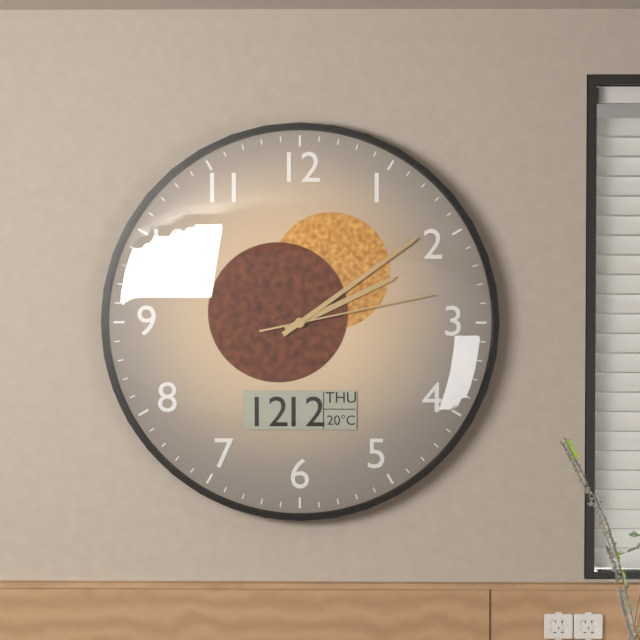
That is 2 h 09 min 13 s
